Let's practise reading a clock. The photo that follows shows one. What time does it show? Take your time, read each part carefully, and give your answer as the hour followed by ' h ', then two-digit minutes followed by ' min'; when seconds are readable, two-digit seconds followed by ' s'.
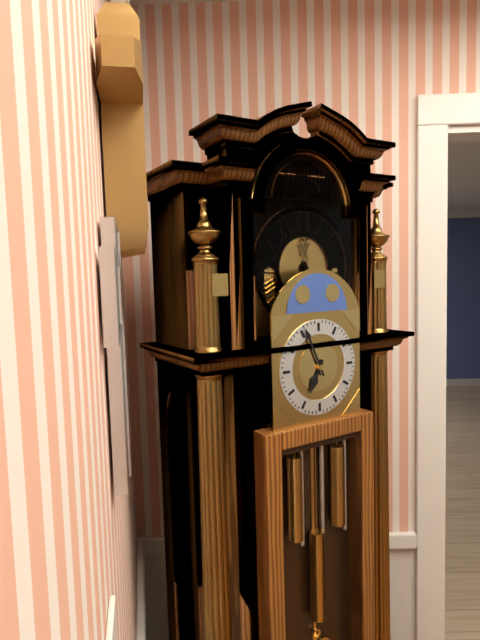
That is 6 h 56 min
